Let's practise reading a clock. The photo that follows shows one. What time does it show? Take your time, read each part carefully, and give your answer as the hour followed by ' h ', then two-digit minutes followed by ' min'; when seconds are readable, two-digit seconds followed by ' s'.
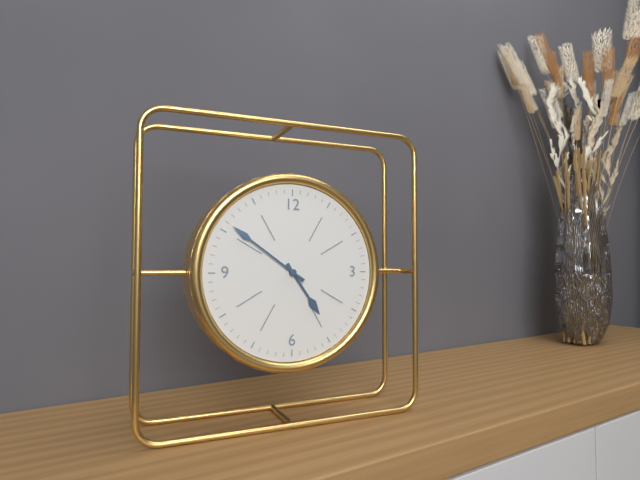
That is 4 h 51 min
